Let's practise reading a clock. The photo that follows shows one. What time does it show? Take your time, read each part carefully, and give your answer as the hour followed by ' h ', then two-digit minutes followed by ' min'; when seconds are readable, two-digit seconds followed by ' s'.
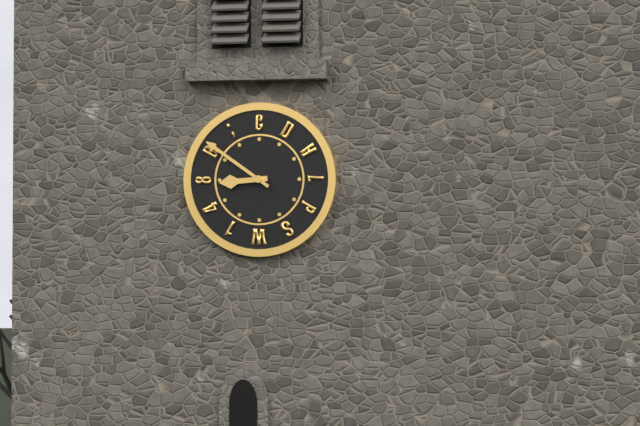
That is 8 h 51 min
